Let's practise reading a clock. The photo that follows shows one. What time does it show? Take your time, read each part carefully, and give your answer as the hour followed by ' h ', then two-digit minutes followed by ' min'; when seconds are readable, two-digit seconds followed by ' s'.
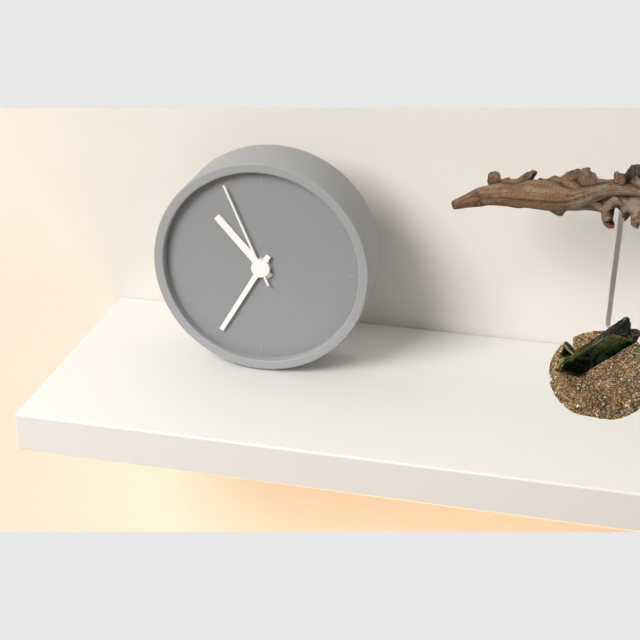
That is 10 h 35 min 56 s
